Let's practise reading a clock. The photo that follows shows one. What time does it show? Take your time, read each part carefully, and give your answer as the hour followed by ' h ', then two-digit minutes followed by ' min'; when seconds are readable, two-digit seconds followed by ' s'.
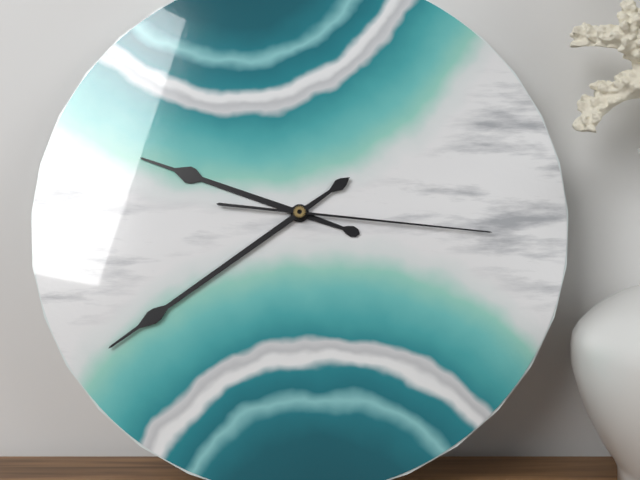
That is 9 h 39 min 16 s
